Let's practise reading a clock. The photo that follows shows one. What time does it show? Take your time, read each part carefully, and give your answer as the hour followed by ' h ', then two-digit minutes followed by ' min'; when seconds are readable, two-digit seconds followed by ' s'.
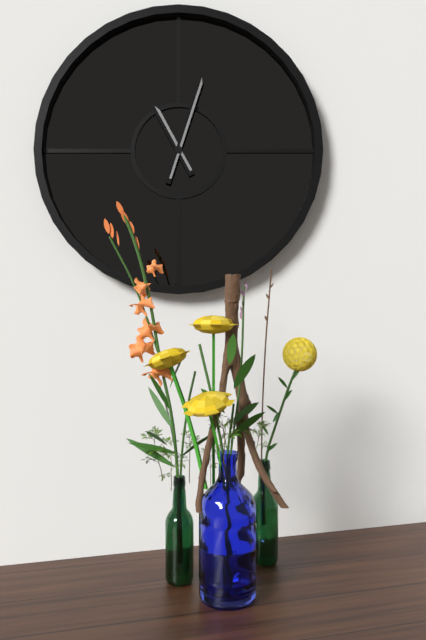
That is 11 h 03 min
